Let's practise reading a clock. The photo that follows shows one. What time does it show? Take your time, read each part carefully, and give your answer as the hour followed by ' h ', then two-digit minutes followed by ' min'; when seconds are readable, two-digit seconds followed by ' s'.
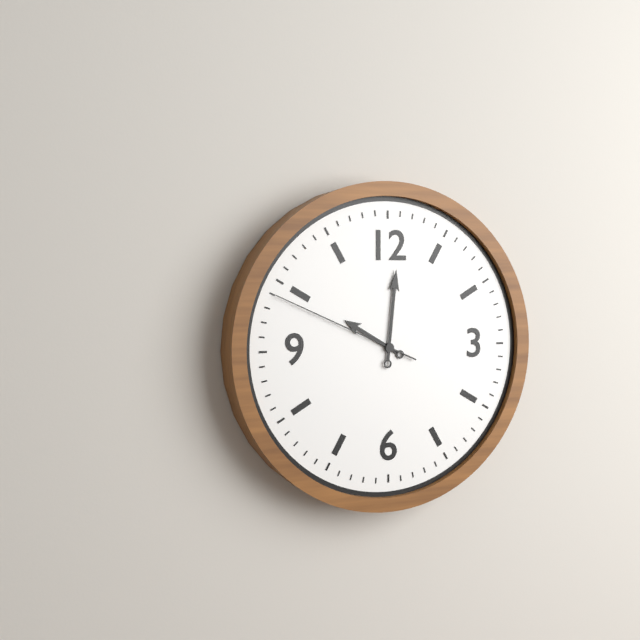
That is 10 h 01 min 49 s
